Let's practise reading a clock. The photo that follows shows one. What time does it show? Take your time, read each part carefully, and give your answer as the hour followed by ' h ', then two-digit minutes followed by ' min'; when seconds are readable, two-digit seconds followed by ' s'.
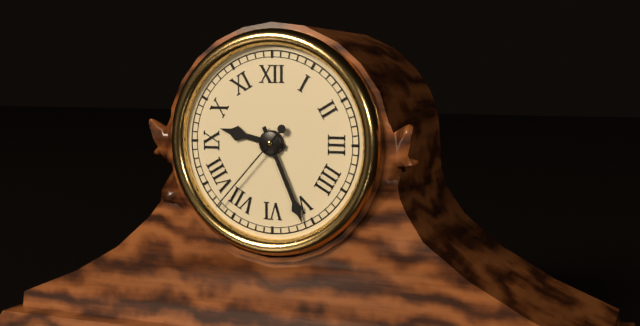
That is 9 h 26 min 37 s
